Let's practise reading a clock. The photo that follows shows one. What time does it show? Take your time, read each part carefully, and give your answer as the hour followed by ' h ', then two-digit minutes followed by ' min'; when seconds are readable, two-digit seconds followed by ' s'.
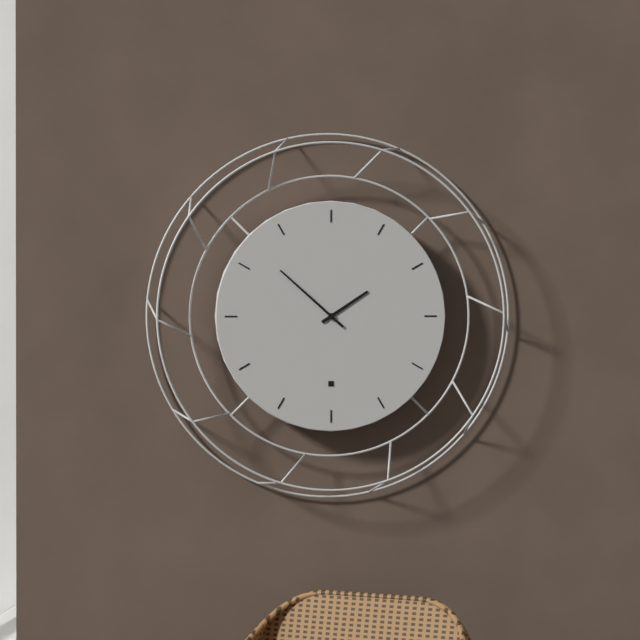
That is 1 h 52 min
